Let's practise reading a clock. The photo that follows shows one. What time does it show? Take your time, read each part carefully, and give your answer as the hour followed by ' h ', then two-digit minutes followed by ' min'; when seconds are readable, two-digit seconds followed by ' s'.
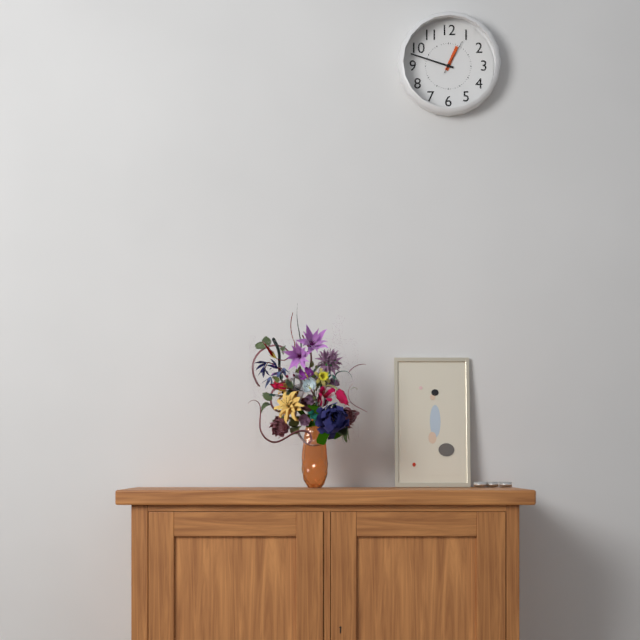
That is 12 h 48 min
